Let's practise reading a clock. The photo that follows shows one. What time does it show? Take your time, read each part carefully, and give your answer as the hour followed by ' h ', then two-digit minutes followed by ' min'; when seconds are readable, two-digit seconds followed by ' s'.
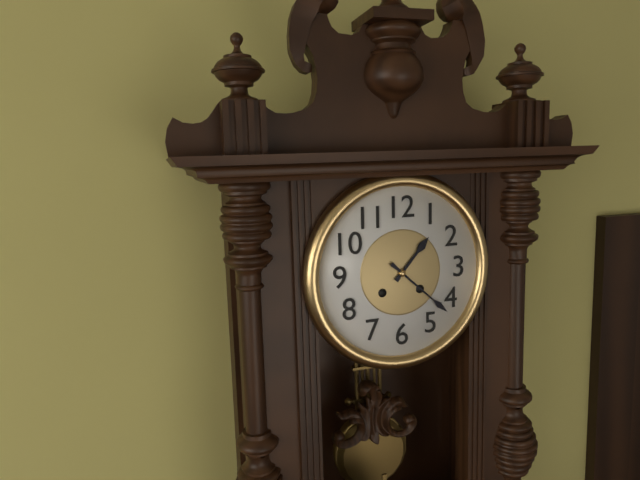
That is 1 h 22 min
